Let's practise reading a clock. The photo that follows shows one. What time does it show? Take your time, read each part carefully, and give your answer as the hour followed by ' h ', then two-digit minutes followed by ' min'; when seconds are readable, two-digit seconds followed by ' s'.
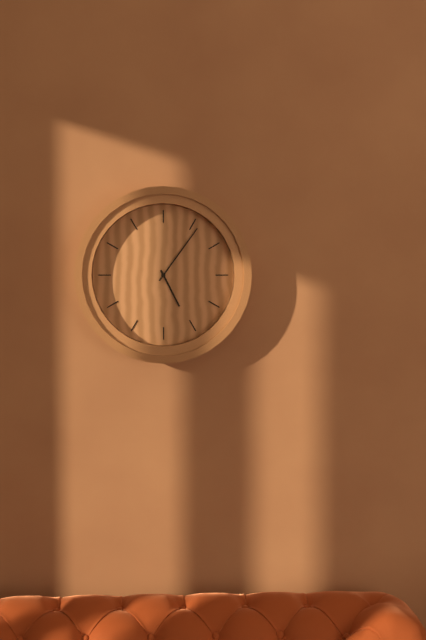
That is 5 h 06 min
